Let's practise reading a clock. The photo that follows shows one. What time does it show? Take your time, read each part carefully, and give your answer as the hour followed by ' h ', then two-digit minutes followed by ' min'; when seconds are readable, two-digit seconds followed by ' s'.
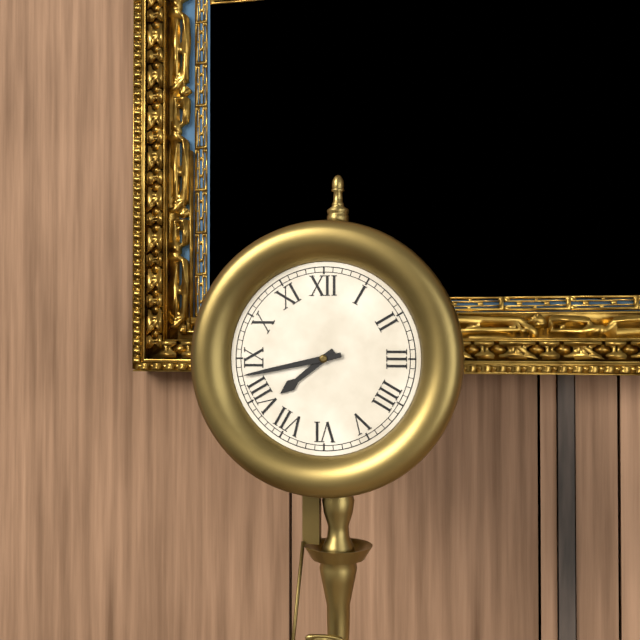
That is 7 h 43 min
